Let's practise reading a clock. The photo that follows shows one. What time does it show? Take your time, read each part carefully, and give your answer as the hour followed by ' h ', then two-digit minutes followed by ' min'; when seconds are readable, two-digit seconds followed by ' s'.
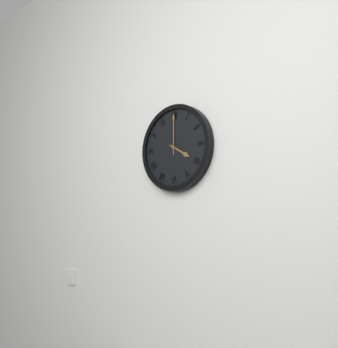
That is 4 h 00 min
